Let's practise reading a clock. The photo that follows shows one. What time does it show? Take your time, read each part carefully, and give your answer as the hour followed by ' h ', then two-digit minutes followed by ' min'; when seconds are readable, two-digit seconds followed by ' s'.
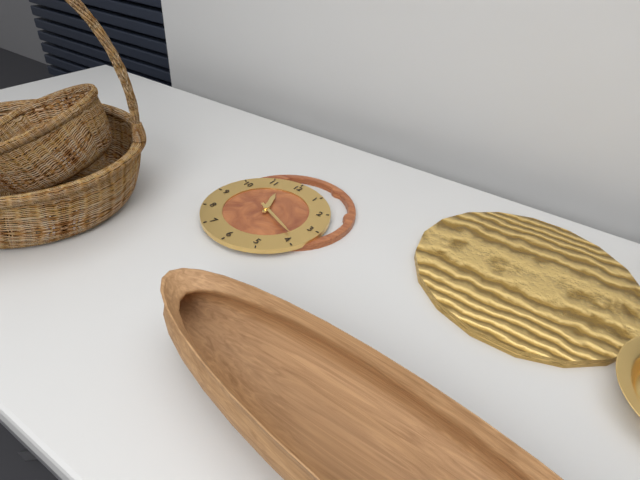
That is 11 h 19 min
